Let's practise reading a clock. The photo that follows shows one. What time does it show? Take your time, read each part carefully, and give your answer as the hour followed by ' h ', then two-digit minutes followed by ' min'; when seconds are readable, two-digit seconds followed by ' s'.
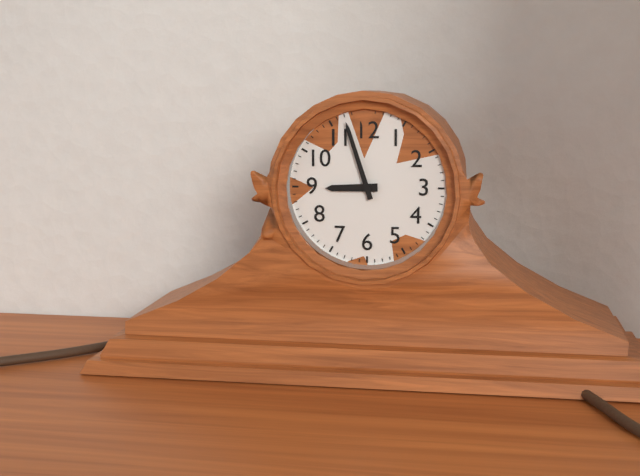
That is 8 h 57 min
